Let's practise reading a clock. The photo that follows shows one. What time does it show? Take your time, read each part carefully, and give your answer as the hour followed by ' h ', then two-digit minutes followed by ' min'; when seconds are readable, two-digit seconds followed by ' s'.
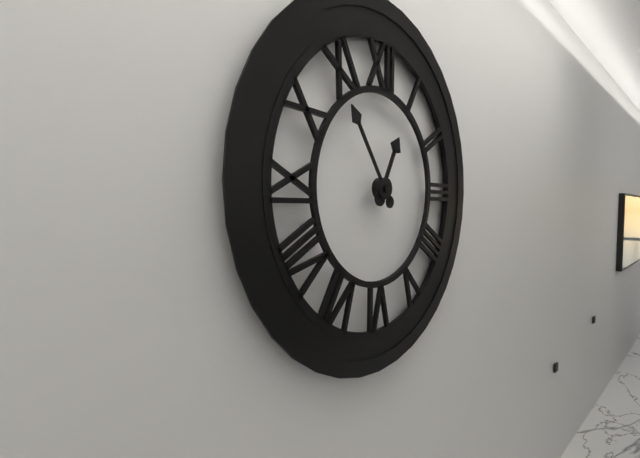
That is 12 h 54 min
